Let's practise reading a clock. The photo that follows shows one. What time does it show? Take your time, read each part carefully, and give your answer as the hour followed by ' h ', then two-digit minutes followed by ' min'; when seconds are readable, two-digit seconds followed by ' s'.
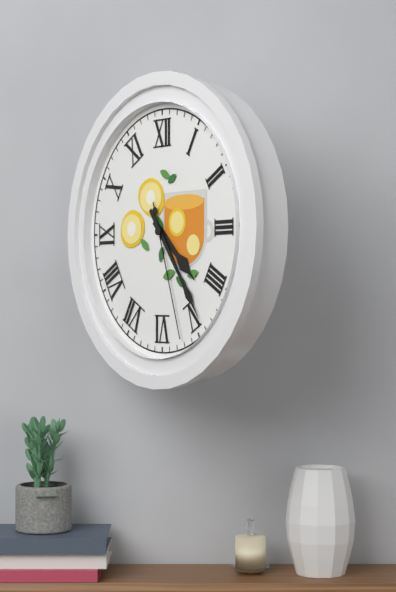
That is 4 h 24 min 27 s
